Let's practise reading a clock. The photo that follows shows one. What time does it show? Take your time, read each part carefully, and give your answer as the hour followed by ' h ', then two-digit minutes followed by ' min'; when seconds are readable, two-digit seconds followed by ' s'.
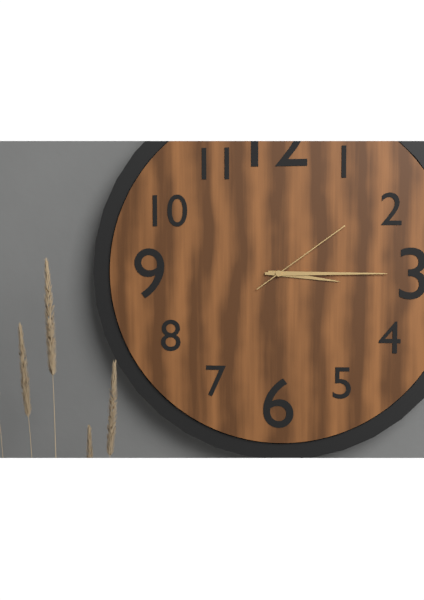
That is 3 h 15 min 09 s
